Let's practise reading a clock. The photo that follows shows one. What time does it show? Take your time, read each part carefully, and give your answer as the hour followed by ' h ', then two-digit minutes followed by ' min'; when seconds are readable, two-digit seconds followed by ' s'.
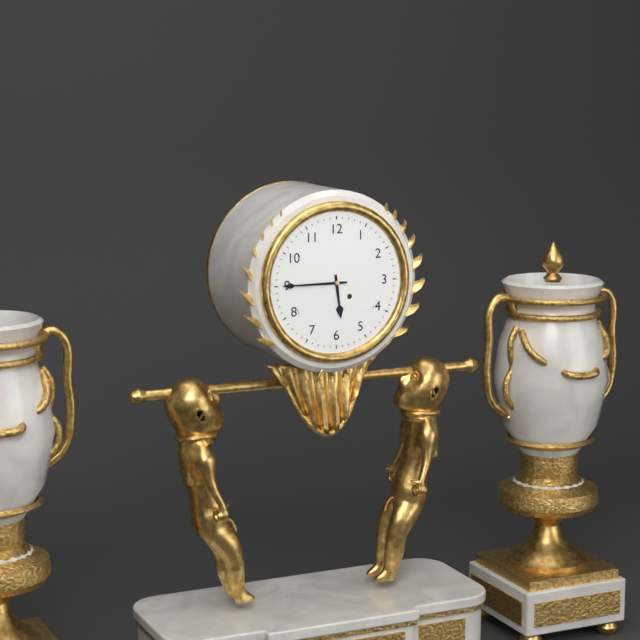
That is 5 h 45 min
